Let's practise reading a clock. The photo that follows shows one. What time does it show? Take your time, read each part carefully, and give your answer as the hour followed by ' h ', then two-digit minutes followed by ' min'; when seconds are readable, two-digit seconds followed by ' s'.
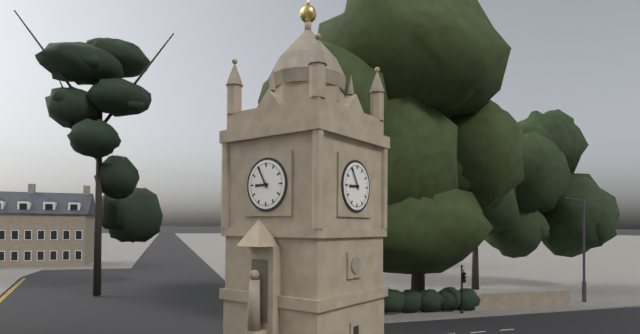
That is 8 h 55 min
